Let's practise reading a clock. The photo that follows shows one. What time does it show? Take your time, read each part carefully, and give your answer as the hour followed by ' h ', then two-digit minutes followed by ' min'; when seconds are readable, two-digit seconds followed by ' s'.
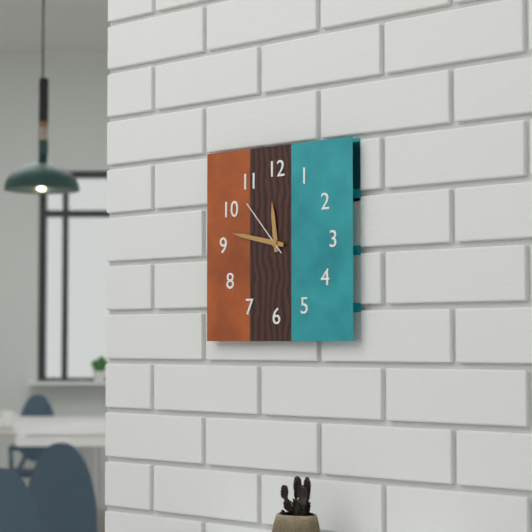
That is 11 h 47 min 53 s
